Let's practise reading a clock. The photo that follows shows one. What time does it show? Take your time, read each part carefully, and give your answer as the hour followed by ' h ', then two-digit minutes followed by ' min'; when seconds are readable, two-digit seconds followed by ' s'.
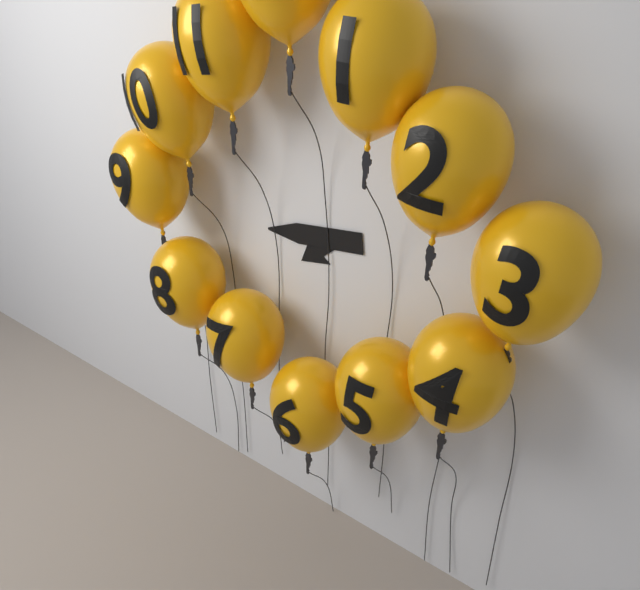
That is 7 h 44 min
